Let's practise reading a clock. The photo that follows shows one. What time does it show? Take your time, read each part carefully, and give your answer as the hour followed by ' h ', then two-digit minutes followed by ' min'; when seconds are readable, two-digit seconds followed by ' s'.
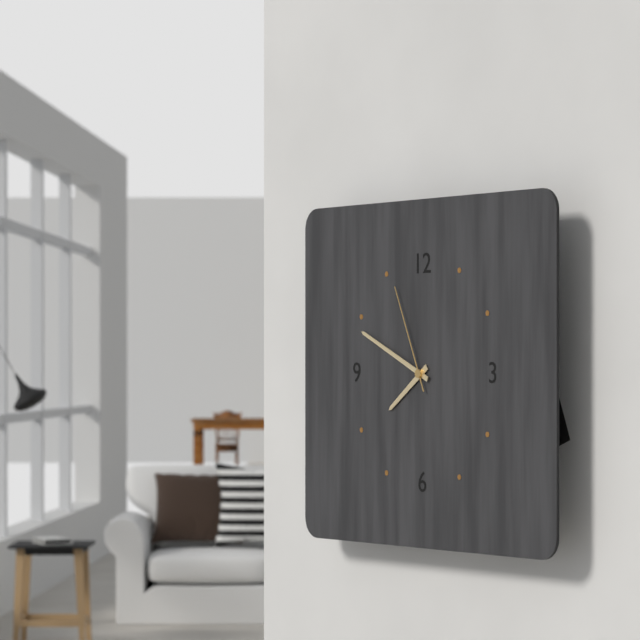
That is 7 h 49 min 56 s
